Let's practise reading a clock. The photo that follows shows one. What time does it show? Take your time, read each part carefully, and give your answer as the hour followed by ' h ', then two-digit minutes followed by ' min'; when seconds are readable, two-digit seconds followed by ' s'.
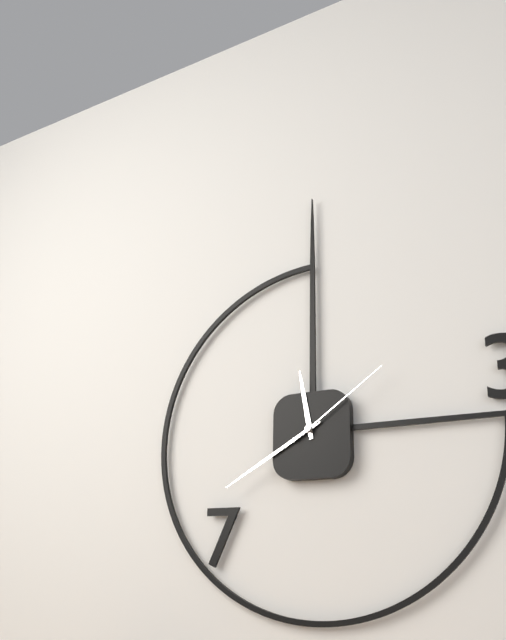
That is 11 h 40 min 09 s
